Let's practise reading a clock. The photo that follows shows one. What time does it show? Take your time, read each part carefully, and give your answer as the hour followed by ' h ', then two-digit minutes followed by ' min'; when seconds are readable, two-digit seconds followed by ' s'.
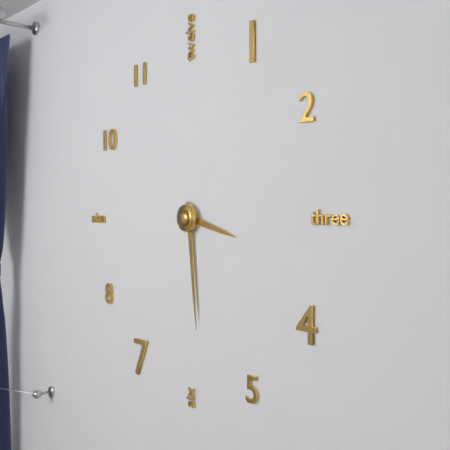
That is 3 h 29 min
